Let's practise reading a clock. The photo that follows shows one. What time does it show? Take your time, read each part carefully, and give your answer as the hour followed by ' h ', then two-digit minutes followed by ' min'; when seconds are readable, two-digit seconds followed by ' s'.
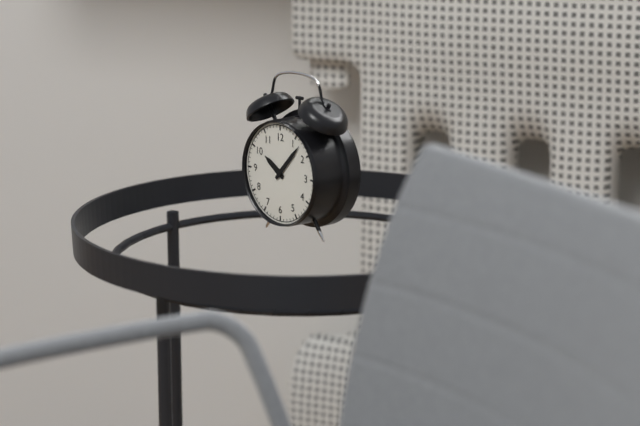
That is 10 h 07 min
